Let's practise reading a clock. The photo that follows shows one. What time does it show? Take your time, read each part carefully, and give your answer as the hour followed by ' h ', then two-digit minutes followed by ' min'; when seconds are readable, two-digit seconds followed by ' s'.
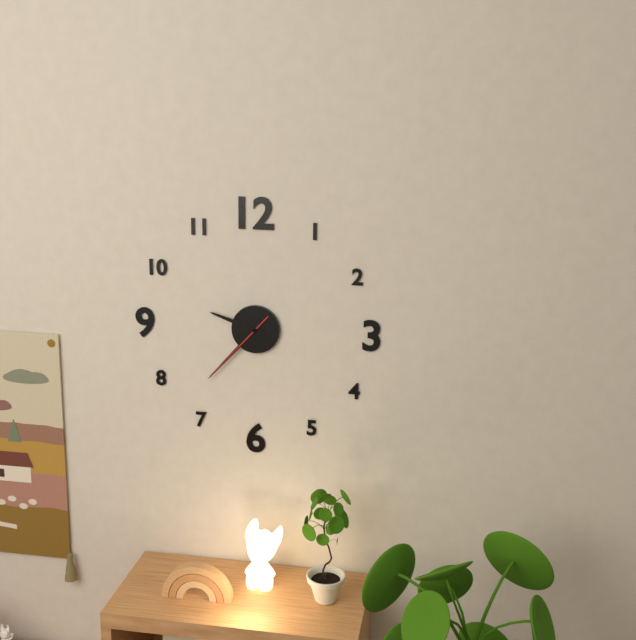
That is 9 h 37 min 37 s
